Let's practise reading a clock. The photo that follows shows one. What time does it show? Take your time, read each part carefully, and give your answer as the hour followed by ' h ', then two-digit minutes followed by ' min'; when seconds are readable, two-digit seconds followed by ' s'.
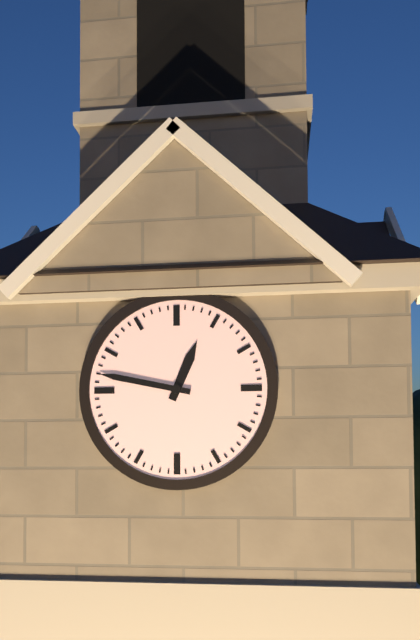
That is 12 h 47 min
